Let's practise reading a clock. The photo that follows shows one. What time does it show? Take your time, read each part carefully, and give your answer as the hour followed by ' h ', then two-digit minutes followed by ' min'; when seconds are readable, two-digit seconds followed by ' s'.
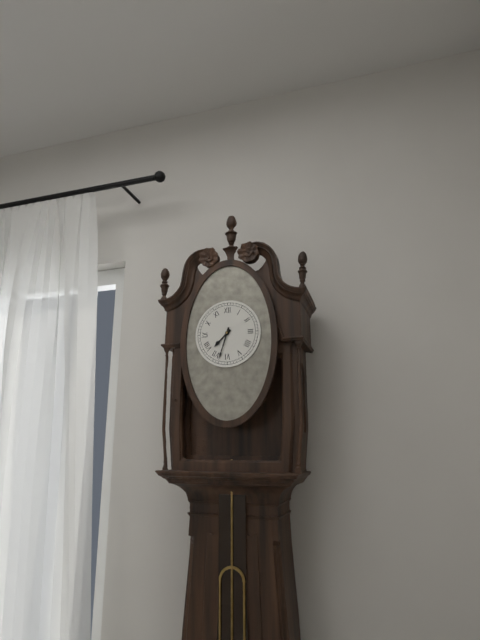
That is 7 h 33 min
